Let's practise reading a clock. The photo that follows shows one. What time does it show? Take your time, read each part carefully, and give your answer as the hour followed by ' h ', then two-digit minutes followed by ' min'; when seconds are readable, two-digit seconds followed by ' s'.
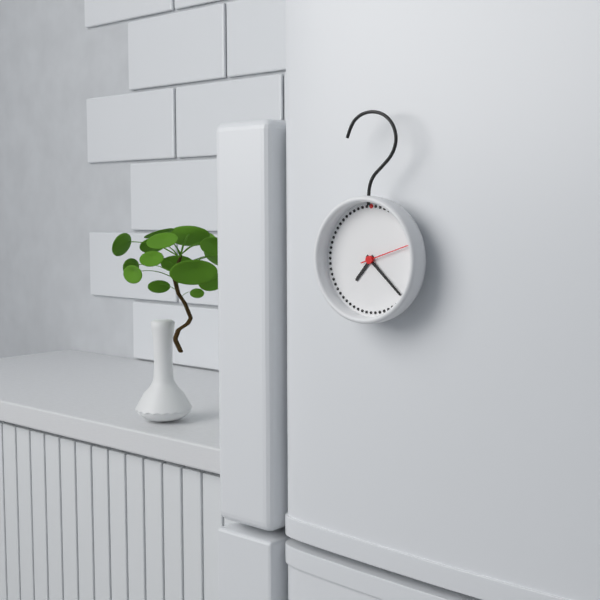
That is 7 h 22 min 12 s
